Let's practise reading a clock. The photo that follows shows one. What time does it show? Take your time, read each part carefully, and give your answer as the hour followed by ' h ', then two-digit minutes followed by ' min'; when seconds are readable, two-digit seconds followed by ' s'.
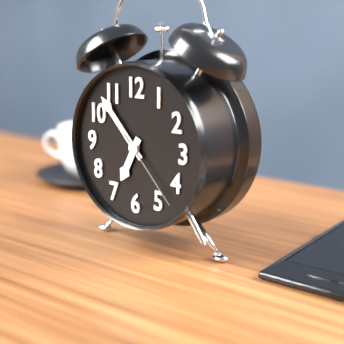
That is 6 h 53 min 23 s
